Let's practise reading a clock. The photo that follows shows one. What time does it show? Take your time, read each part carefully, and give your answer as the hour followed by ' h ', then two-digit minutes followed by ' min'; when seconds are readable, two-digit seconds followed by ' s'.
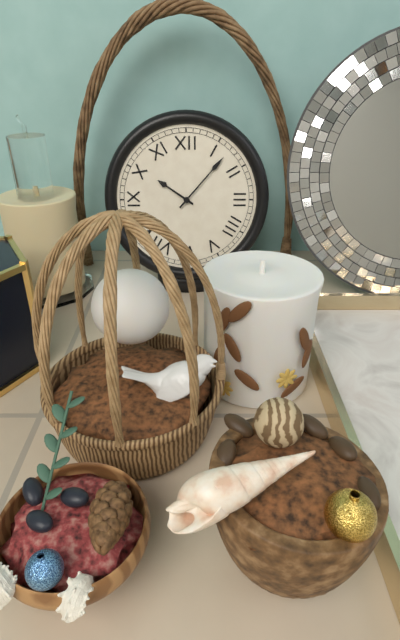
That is 10 h 07 min
